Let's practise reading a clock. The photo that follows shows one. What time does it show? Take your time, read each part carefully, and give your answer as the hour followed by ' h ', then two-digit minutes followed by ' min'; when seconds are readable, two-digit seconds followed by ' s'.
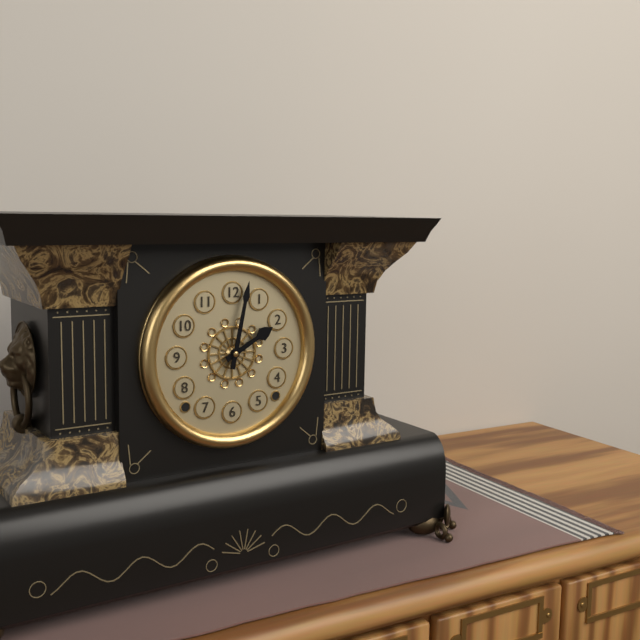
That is 2 h 02 min
